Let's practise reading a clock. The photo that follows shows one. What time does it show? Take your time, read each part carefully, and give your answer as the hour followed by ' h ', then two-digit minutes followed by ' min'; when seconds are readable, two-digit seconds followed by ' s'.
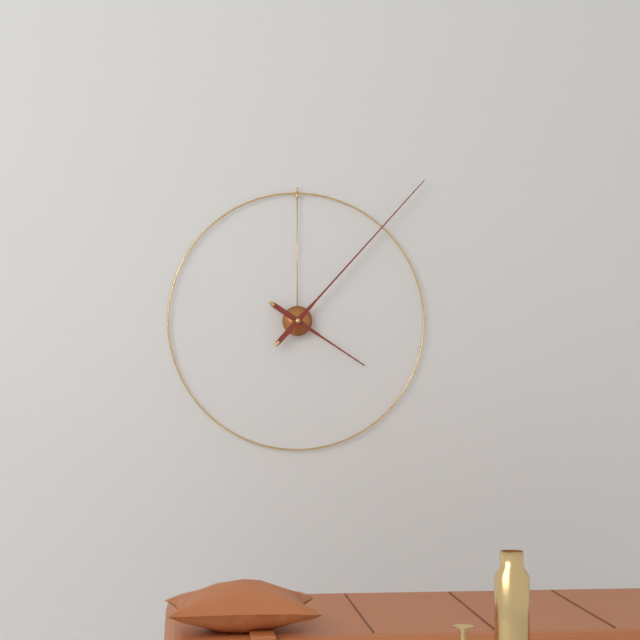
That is 4 h 07 min
